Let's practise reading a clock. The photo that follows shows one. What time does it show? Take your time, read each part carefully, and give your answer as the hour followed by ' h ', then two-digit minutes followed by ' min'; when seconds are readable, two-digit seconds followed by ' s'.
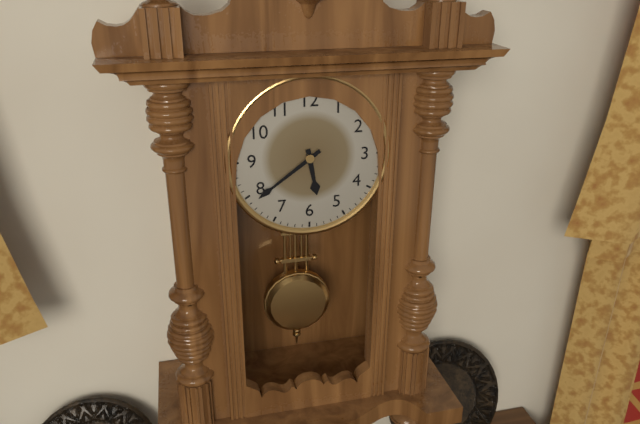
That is 5 h 39 min
